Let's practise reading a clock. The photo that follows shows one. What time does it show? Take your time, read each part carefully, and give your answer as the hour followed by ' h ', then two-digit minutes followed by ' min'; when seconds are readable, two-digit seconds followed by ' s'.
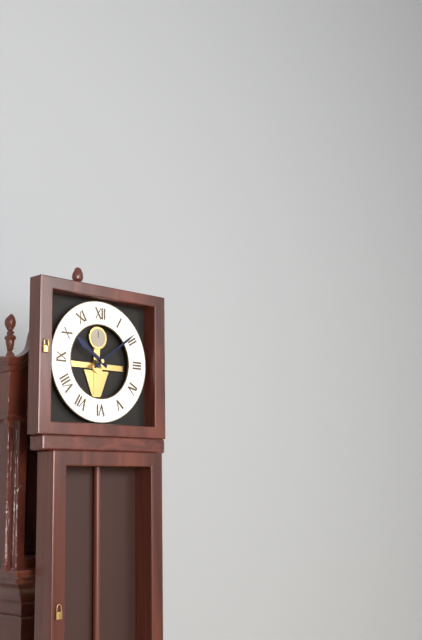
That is 10 h 09 min
